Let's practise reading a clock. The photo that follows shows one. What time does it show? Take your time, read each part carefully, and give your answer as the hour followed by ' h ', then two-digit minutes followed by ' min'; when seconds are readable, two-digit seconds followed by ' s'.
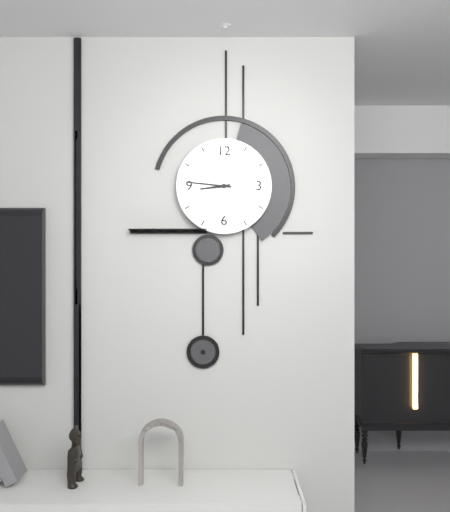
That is 8 h 46 min
